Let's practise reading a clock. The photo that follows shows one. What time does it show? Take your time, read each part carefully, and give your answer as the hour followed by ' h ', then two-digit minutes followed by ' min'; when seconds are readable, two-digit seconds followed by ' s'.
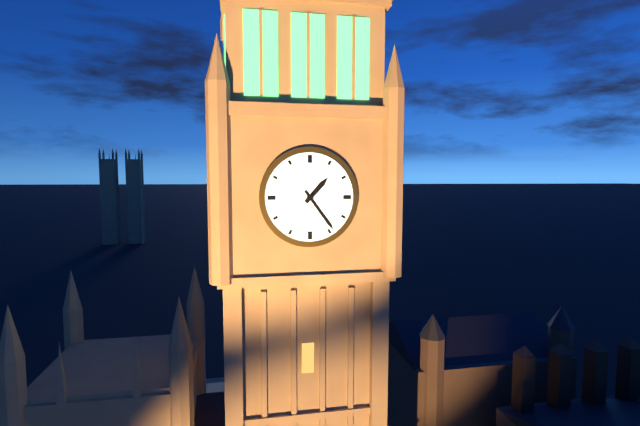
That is 1 h 24 min
